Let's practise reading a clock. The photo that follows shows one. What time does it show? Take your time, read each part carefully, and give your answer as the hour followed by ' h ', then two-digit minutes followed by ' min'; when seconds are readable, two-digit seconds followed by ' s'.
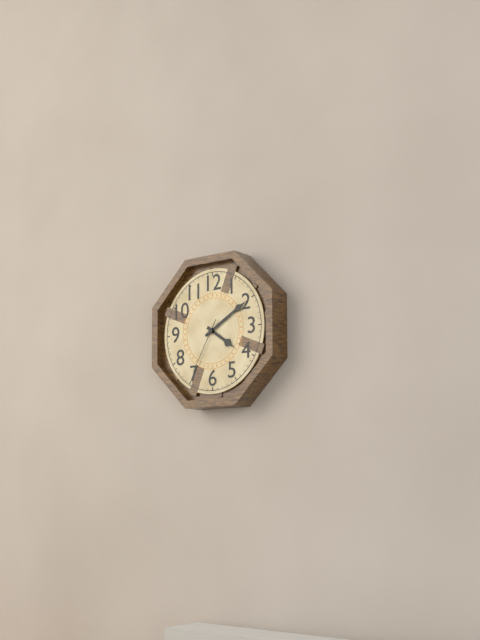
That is 4 h 10 min 35 s
